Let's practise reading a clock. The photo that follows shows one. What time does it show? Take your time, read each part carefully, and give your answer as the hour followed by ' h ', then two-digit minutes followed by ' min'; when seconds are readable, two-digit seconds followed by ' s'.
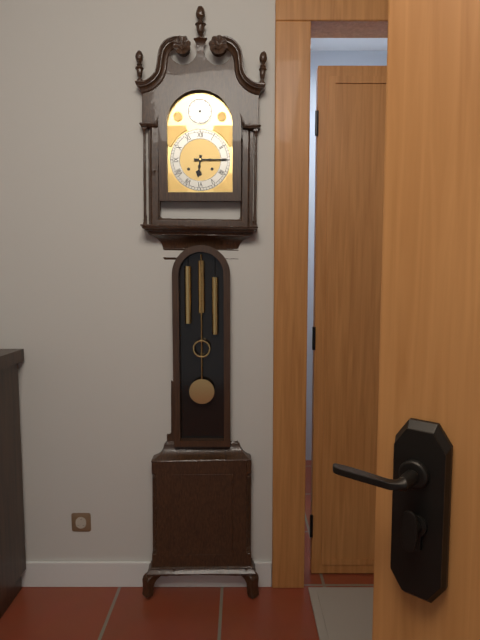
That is 6 h 15 min
